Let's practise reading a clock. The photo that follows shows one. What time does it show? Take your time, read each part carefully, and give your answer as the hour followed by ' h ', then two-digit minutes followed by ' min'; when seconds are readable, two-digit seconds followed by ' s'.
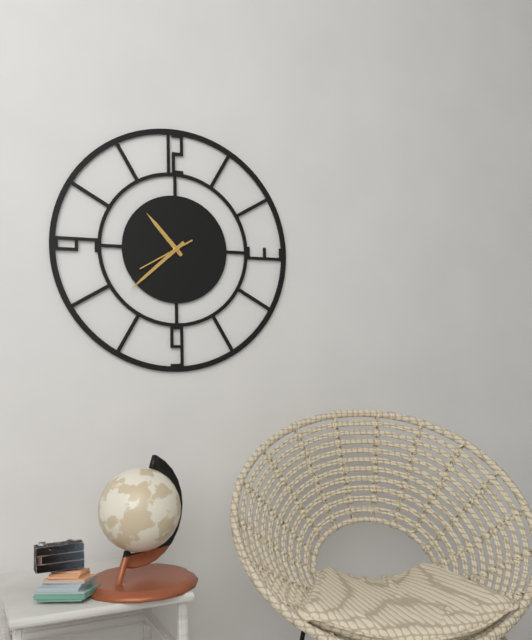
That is 10 h 38 min 40 s
